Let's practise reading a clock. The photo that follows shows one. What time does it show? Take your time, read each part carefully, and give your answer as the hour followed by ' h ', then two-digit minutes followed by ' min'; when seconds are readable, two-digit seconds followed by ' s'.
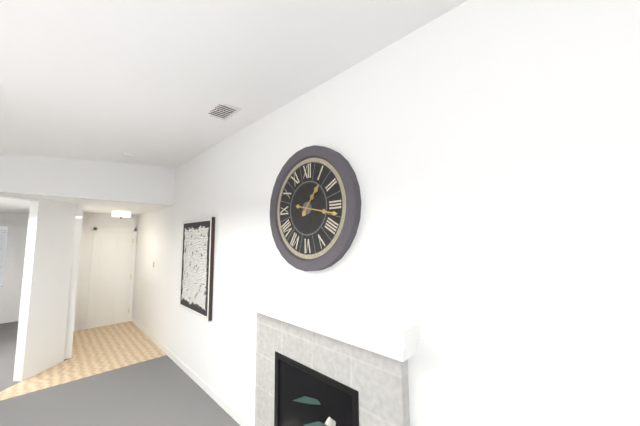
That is 1 h 17 min
